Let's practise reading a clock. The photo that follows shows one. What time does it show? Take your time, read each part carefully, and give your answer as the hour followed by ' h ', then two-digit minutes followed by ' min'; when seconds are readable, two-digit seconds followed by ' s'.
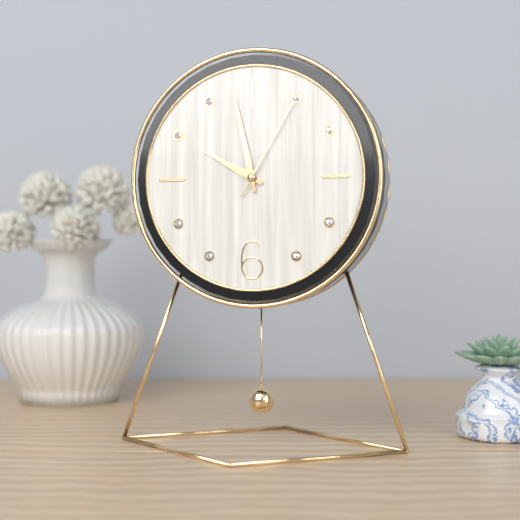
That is 9 h 58 min 05 s
